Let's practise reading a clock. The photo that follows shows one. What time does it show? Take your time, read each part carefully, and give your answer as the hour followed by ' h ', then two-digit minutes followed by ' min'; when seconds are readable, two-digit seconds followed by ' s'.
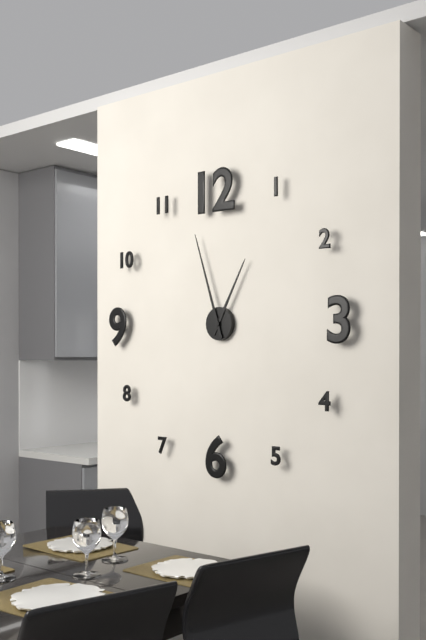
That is 12 h 57 min
